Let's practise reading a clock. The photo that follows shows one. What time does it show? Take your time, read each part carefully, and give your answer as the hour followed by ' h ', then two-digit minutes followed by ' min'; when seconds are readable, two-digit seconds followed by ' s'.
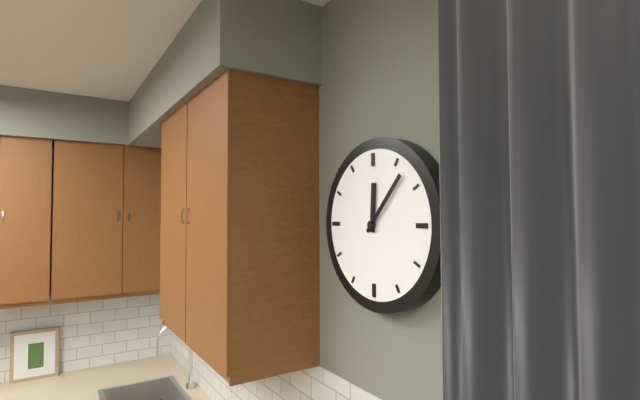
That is 12 h 07 min
